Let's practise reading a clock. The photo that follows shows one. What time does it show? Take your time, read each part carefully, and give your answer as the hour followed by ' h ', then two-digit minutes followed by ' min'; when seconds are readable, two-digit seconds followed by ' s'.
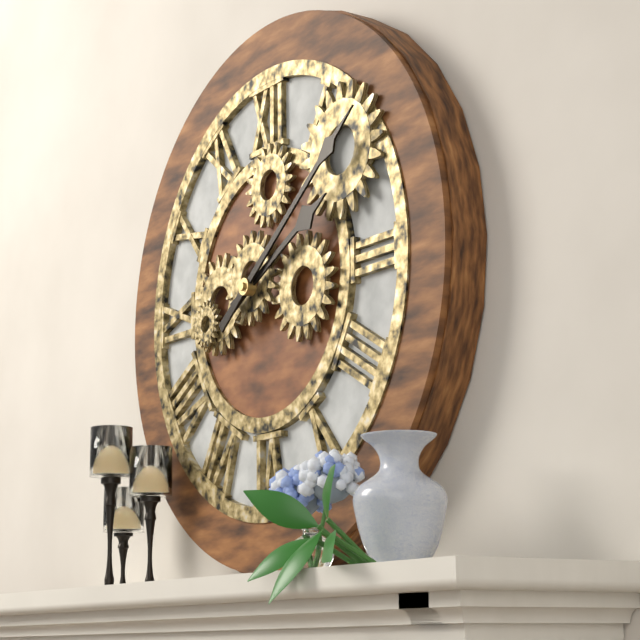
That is 2 h 09 min
